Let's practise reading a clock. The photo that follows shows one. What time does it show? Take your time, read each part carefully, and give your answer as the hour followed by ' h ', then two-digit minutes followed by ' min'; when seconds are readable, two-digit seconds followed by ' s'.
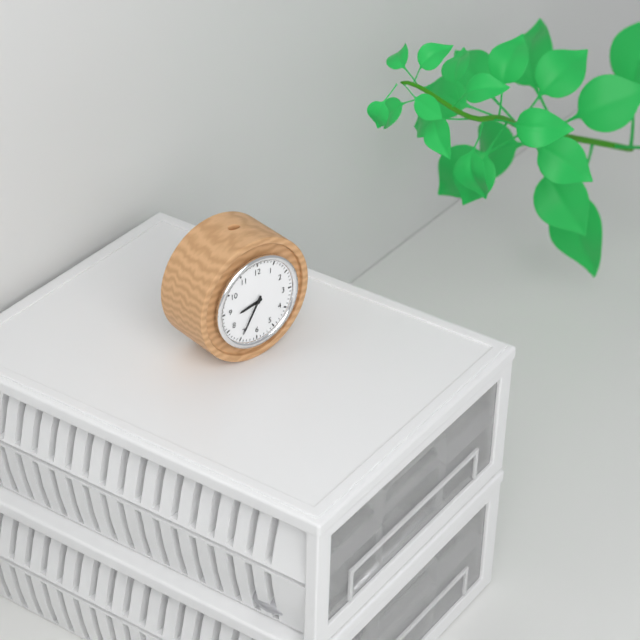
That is 8 h 35 min
